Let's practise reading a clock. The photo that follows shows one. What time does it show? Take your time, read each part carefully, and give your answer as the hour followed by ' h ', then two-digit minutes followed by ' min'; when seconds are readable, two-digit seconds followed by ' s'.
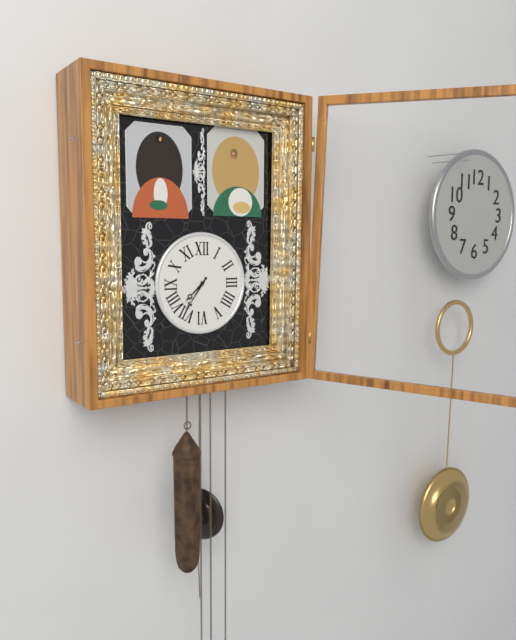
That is 7 h 36 min
